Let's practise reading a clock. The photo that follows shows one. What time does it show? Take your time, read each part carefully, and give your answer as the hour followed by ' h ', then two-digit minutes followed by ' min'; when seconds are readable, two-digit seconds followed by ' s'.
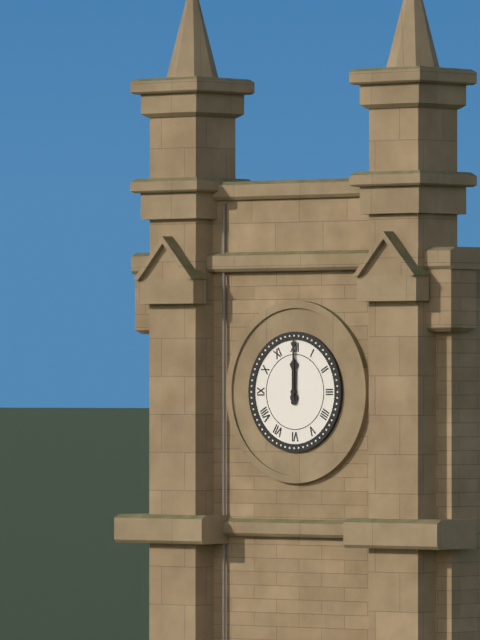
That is 12 h 00 min
